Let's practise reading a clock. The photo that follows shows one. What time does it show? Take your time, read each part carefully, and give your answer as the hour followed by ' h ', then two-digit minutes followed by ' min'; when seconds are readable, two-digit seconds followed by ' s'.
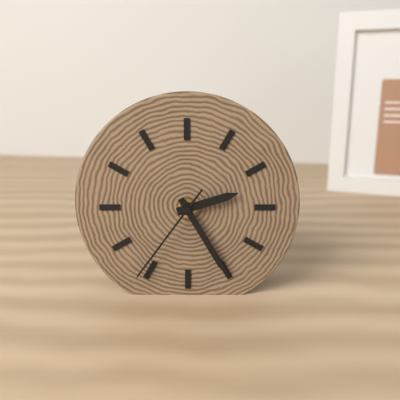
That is 2 h 25 min 36 s
